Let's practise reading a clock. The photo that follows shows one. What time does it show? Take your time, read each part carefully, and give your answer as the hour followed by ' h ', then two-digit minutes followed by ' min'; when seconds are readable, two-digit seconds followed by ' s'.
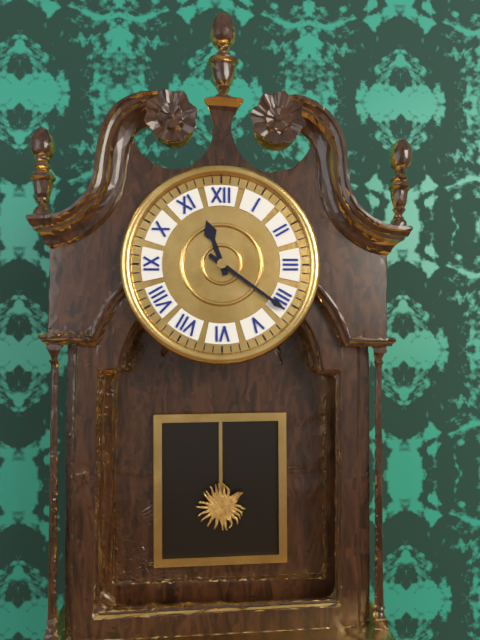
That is 11 h 21 min
